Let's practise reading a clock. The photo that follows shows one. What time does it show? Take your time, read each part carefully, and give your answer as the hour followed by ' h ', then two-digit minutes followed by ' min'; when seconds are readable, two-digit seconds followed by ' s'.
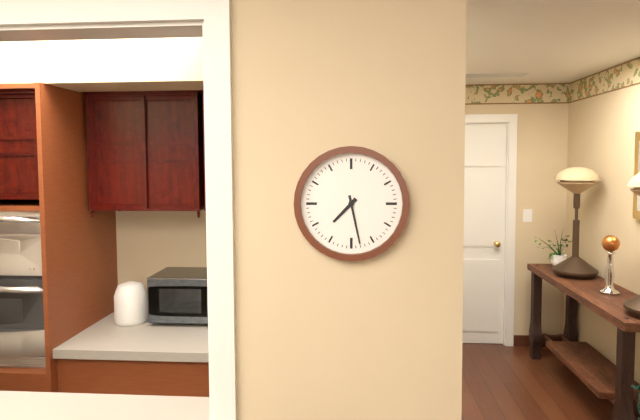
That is 7 h 28 min
